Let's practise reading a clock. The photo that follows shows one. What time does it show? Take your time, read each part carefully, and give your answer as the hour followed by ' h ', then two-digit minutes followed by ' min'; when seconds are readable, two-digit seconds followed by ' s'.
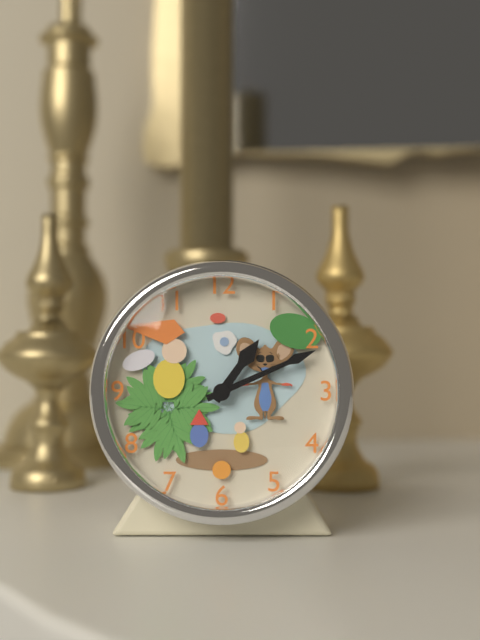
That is 1 h 11 min
